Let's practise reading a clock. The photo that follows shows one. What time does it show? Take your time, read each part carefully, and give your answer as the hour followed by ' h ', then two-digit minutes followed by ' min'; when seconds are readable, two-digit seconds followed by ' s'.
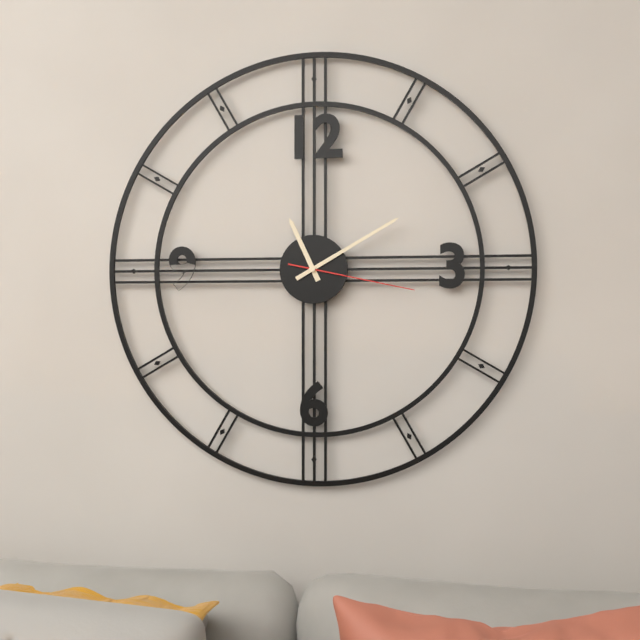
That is 11 h 10 min 17 s
